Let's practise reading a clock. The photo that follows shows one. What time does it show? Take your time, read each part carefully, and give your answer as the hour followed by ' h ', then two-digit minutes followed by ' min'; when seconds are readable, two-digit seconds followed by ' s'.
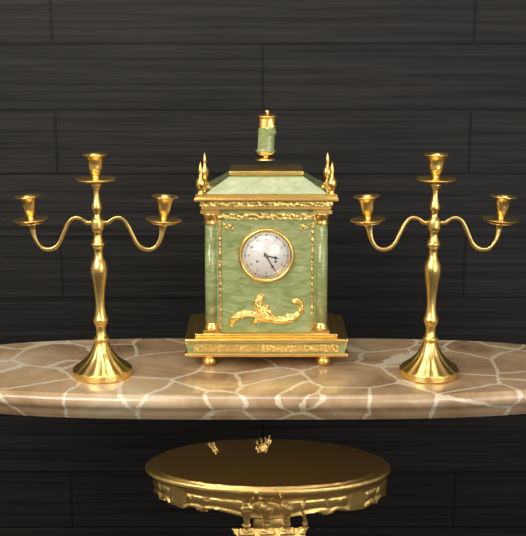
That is 3 h 25 min
